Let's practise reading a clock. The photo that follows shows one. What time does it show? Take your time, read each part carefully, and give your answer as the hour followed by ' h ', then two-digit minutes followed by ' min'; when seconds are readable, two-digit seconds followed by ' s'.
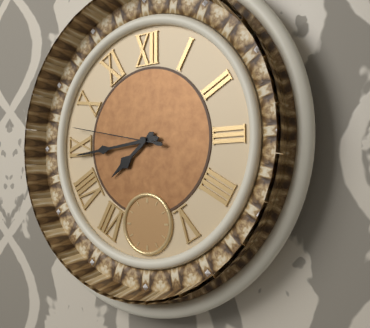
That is 7 h 44 min 47 s
